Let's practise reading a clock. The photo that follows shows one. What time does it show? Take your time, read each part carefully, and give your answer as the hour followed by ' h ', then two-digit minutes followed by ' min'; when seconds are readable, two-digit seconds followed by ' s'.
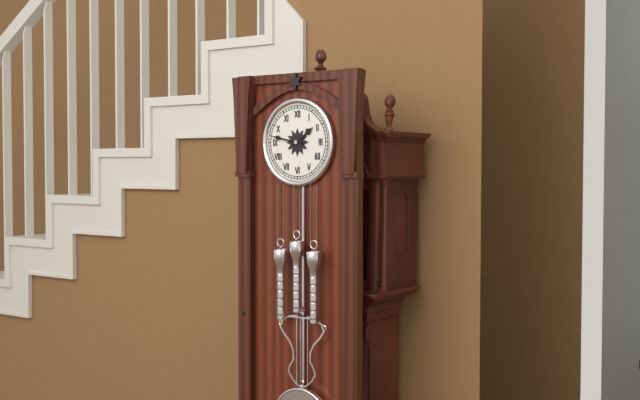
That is 1 h 47 min
